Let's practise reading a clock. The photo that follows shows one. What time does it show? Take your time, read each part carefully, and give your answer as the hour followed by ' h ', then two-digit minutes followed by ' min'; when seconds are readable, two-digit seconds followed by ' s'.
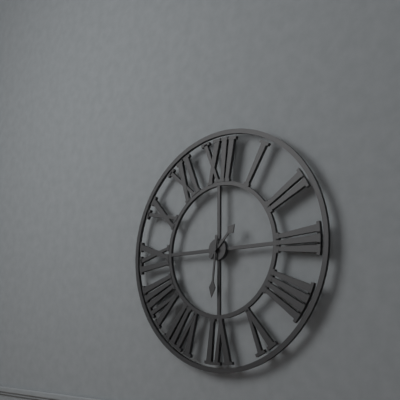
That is 1 h 31 min
